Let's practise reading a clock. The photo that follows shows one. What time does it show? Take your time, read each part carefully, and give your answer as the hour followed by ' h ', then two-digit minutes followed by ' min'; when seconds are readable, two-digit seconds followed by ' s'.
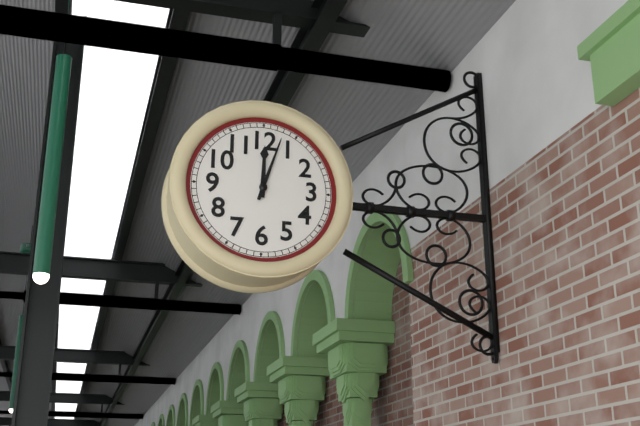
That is 12 h 03 min
